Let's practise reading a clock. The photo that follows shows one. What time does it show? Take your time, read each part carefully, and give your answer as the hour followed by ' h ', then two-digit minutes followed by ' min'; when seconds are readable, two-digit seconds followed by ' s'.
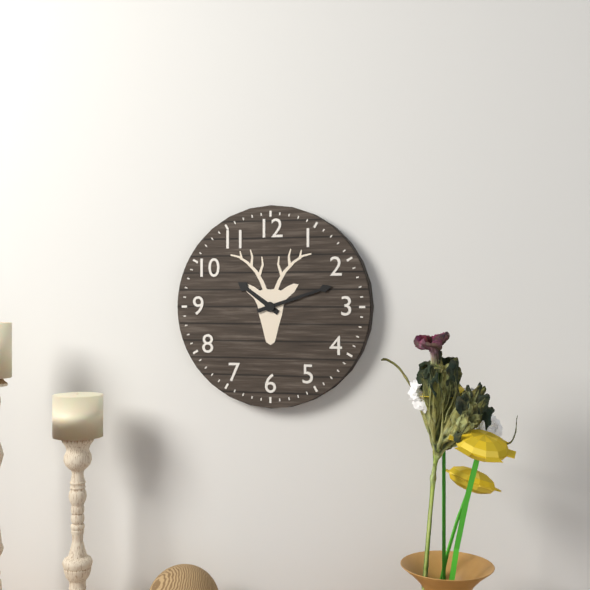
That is 10 h 12 min
